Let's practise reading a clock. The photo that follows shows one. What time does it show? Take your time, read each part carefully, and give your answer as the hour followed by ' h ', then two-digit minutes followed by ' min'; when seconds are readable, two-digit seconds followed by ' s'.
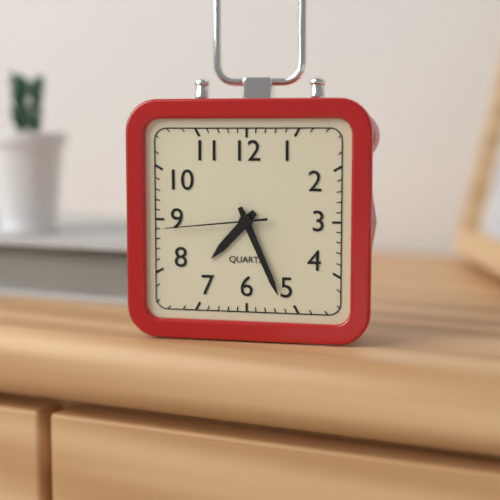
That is 7 h 26 min 44 s
